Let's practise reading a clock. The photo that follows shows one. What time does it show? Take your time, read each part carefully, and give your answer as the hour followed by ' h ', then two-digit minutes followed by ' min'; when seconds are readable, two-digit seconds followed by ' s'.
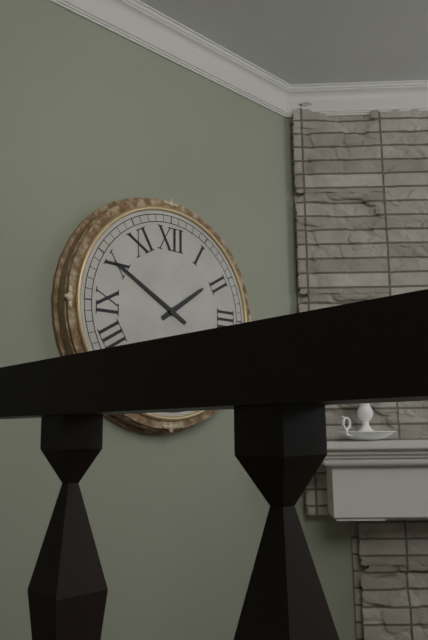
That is 1 h 50 min
